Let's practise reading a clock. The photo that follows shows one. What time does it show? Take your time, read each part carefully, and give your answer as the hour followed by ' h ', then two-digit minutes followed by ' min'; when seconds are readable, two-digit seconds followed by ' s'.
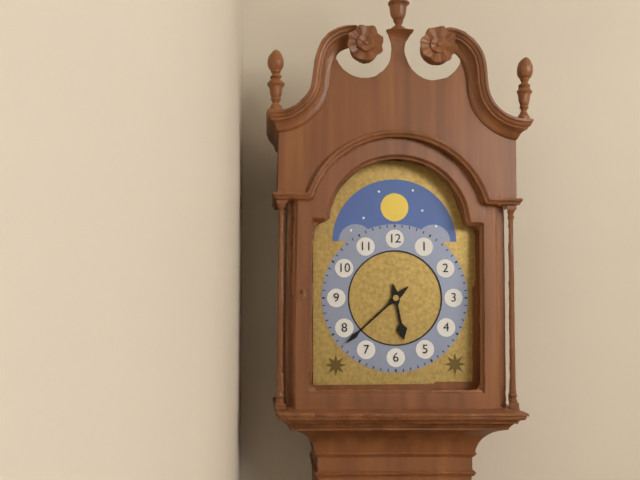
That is 5 h 38 min
